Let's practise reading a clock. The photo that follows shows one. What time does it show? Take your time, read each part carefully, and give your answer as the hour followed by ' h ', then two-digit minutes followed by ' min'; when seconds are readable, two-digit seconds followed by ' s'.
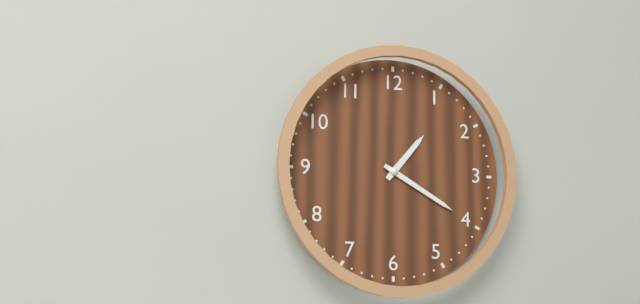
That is 1 h 20 min
